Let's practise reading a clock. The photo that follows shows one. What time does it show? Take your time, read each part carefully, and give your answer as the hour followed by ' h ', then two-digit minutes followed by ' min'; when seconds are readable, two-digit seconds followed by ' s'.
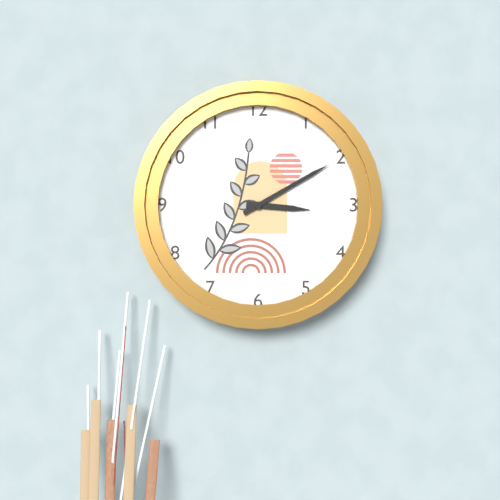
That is 3 h 10 min
